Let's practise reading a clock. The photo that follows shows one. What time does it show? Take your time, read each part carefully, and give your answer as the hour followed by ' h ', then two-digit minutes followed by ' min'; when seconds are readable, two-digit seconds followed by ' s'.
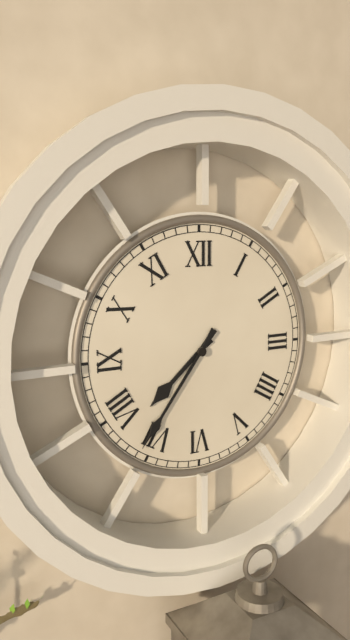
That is 7 h 36 min
